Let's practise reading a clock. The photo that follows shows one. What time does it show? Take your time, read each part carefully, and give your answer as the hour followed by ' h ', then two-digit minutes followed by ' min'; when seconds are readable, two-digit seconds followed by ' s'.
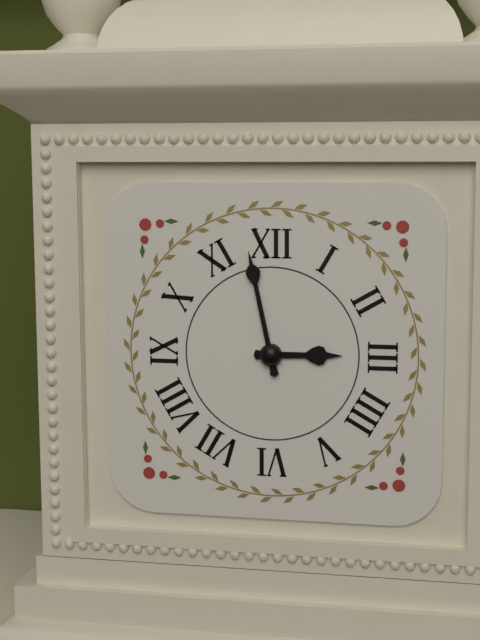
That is 2 h 58 min
